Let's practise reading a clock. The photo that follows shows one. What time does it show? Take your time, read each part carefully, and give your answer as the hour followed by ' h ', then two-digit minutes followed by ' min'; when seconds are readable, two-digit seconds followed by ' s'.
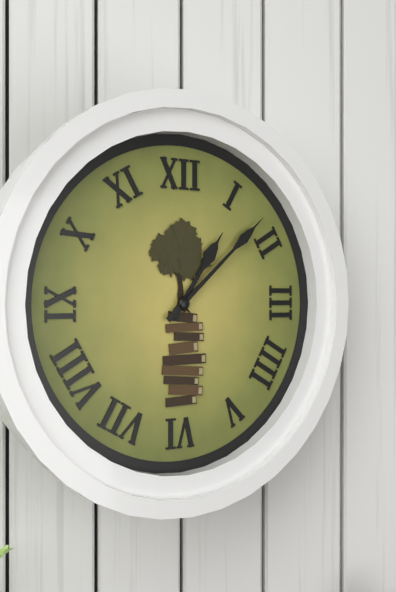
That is 1 h 08 min
